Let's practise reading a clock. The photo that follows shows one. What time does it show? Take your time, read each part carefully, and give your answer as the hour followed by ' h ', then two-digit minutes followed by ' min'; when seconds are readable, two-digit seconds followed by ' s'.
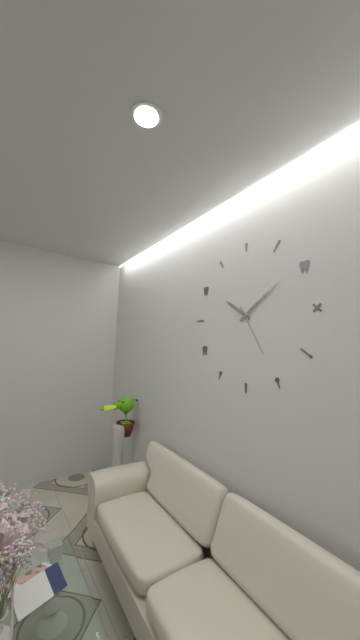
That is 10 h 09 min 25 s
